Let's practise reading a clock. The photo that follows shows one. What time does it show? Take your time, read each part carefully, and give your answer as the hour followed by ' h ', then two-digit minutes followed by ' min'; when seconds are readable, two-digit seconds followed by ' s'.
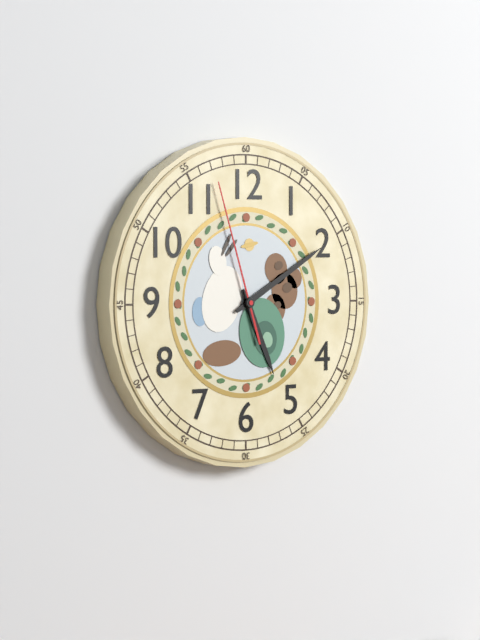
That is 5 h 10 min 57 s
